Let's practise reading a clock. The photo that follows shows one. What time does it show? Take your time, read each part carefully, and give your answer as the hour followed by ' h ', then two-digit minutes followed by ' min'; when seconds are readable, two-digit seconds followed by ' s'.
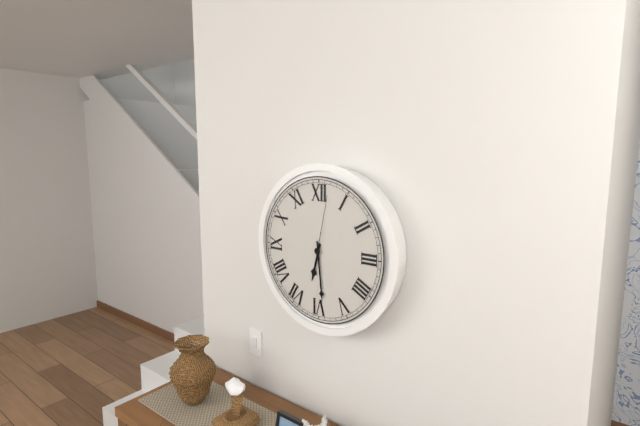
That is 6 h 29 min 02 s
